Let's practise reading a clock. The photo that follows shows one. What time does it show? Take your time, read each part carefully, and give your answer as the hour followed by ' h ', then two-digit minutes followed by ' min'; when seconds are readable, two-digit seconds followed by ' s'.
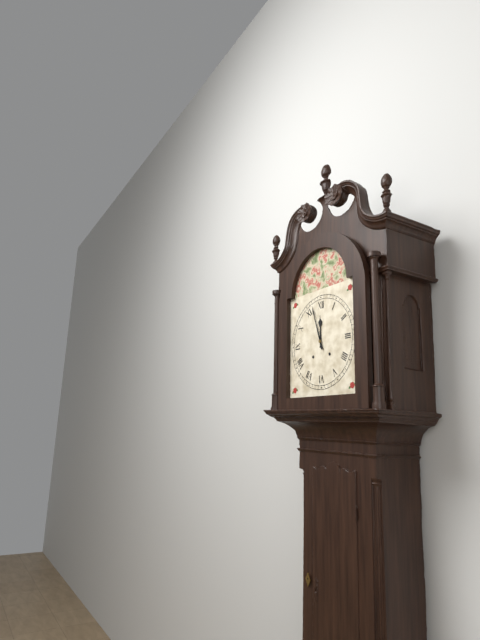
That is 11 h 57 min
